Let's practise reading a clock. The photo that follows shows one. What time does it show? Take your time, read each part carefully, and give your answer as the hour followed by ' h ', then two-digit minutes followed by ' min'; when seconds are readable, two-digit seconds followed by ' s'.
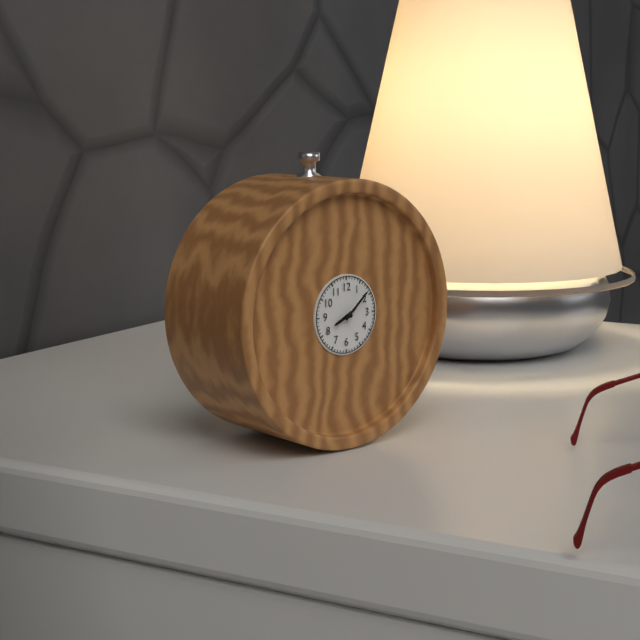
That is 8 h 08 min
